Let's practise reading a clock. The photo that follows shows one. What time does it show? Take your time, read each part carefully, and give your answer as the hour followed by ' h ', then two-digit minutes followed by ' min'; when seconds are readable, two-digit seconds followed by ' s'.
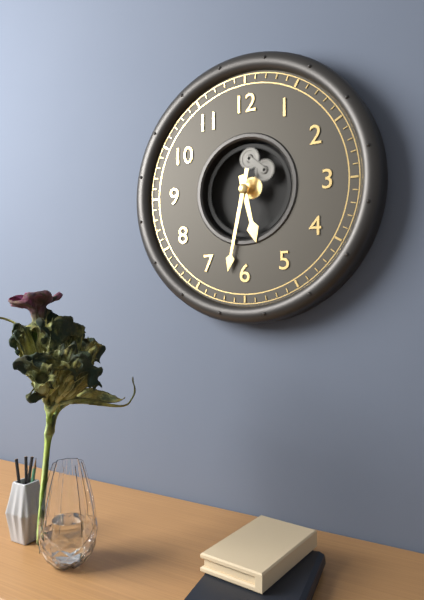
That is 5 h 32 min
